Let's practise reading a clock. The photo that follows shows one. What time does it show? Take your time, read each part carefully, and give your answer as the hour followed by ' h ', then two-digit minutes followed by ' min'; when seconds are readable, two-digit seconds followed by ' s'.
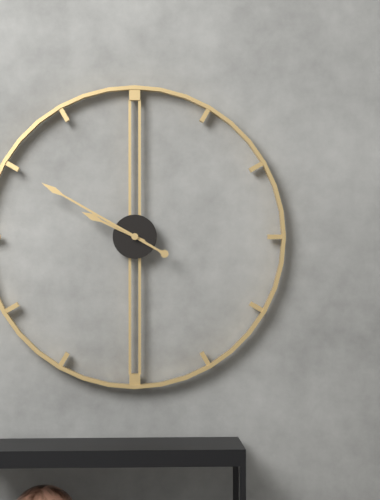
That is 9 h 50 min
